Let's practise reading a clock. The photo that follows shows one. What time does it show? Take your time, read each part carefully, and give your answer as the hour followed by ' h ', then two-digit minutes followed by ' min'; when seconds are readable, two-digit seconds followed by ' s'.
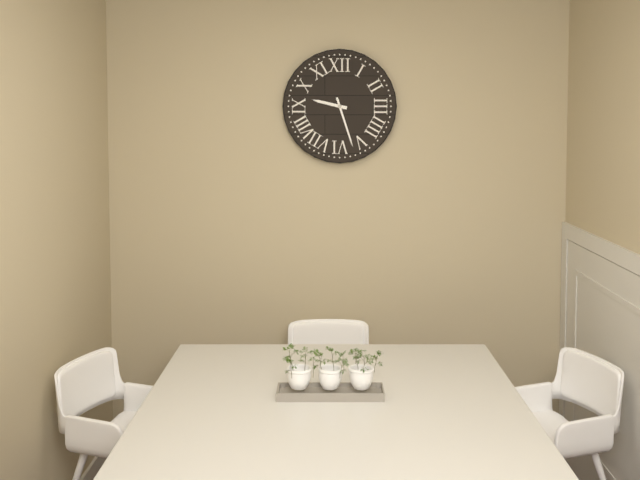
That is 9 h 27 min
